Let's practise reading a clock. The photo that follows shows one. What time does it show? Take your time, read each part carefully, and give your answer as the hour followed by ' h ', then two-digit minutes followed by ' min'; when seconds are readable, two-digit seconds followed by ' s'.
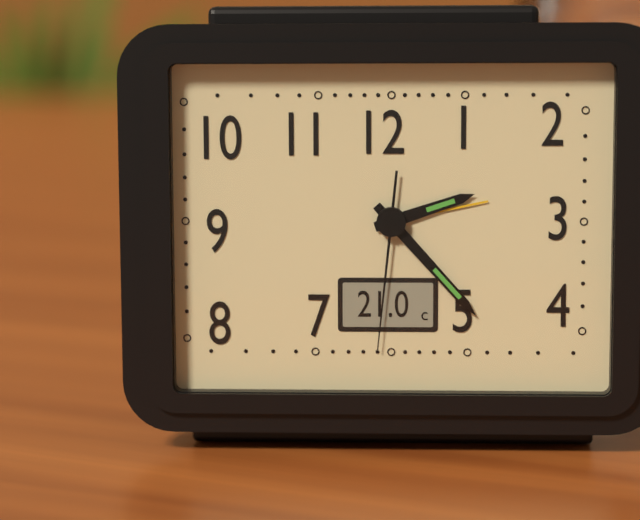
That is 2 h 23 min 31 s
